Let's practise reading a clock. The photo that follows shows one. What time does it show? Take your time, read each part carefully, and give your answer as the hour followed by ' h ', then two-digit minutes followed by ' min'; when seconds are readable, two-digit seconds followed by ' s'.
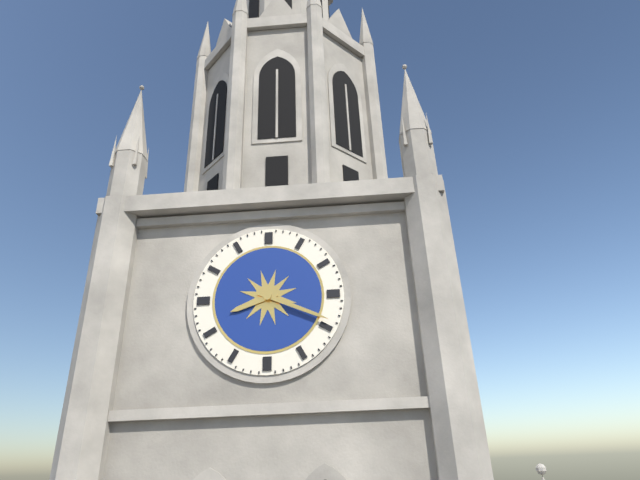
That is 8 h 19 min
